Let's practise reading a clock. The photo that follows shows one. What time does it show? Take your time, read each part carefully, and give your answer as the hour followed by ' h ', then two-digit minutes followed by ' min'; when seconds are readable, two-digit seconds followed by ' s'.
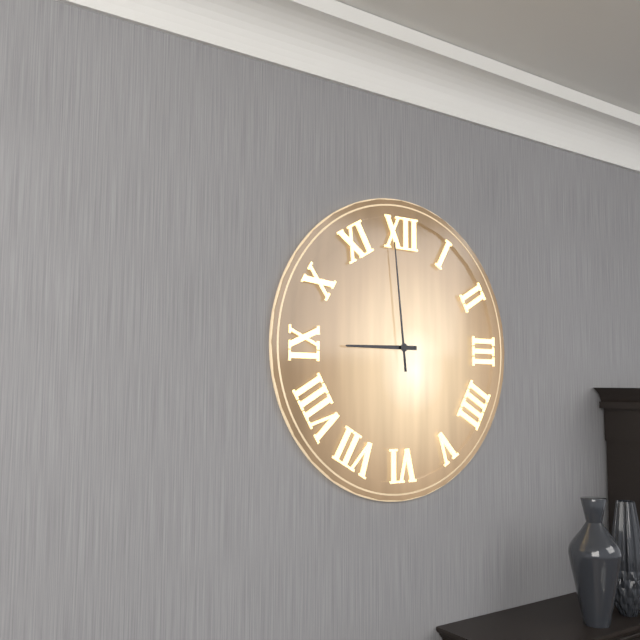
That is 8 h 59 min
